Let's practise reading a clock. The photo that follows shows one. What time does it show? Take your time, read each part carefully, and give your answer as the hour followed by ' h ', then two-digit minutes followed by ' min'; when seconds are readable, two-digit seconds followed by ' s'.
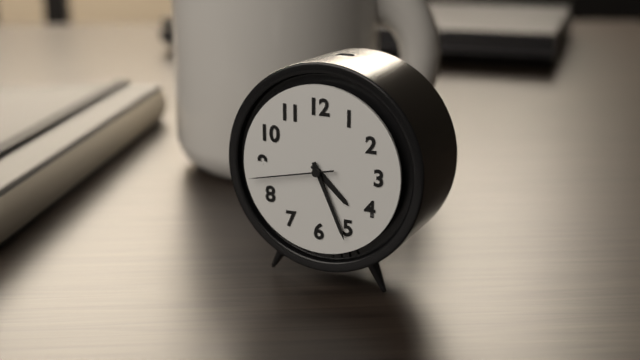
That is 4 h 26 min 43 s
